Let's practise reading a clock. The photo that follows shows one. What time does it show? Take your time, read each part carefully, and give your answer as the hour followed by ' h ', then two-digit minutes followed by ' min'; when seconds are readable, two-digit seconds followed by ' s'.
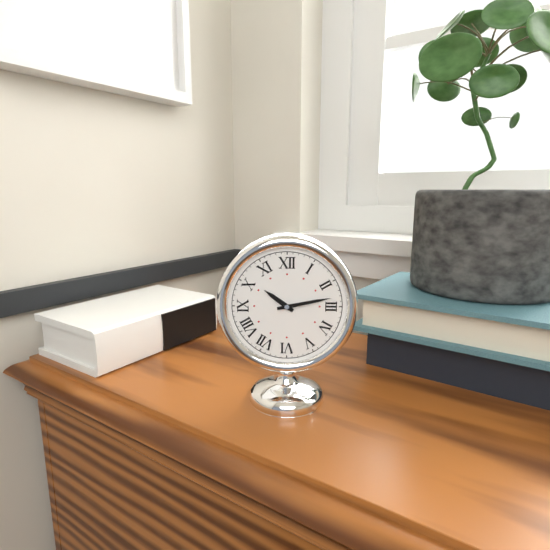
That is 10 h 13 min
